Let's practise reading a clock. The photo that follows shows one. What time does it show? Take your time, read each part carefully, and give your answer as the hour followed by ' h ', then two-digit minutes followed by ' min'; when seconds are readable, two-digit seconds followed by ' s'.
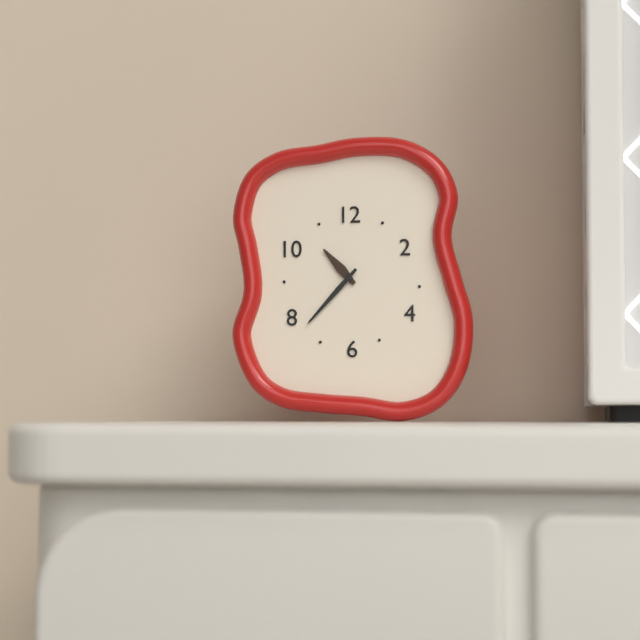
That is 10 h 37 min
